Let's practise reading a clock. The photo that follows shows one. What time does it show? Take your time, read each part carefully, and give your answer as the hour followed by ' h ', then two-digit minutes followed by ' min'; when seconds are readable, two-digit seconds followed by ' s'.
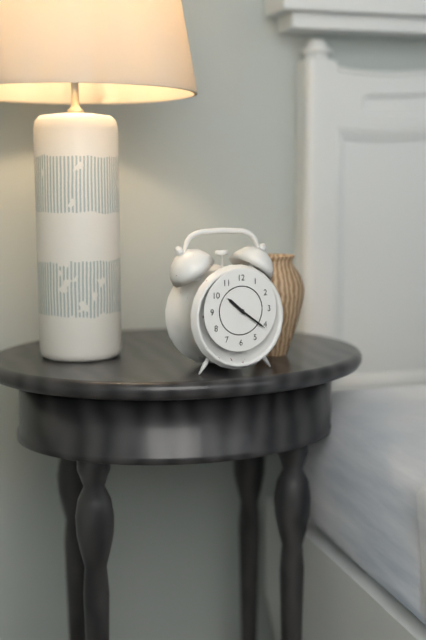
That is 10 h 21 min
